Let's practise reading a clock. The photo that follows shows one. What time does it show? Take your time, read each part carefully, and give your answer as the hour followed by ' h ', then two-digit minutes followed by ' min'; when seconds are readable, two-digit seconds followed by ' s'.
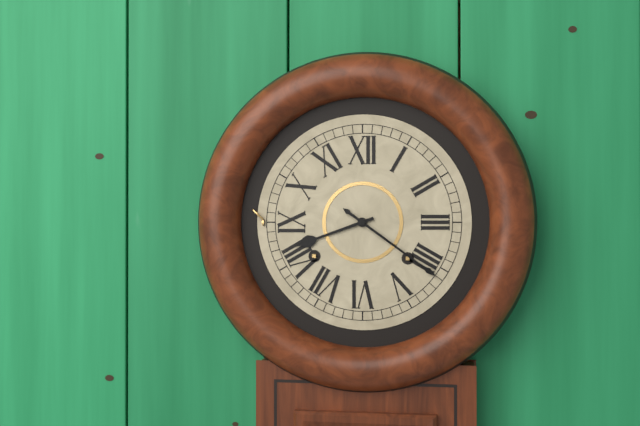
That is 8 h 21 min
